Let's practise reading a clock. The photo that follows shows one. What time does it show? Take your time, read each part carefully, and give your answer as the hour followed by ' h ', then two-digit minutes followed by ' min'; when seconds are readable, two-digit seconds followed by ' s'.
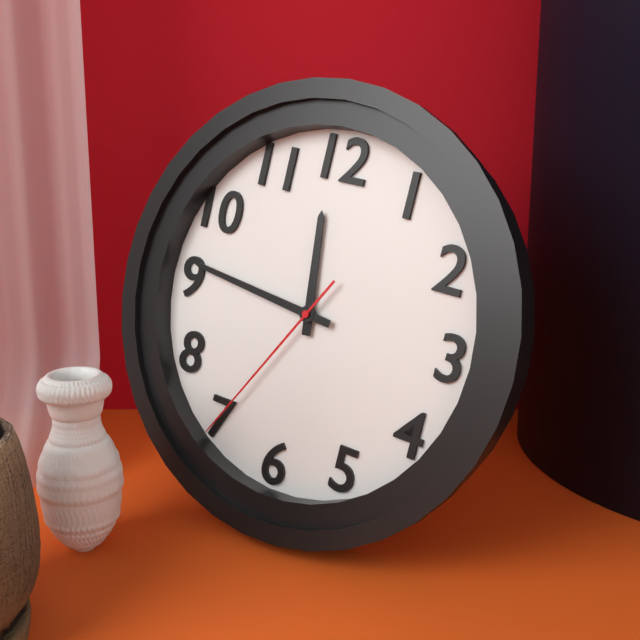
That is 11 h 46 min 35 s
